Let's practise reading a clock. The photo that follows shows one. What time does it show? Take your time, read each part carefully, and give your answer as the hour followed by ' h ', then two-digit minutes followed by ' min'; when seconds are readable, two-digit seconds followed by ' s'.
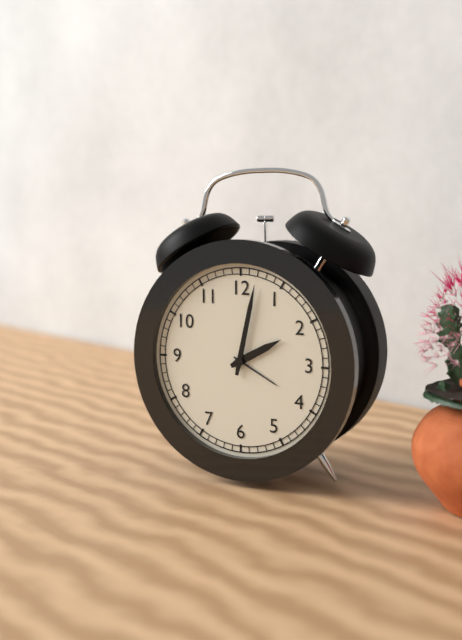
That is 2 h 02 min
